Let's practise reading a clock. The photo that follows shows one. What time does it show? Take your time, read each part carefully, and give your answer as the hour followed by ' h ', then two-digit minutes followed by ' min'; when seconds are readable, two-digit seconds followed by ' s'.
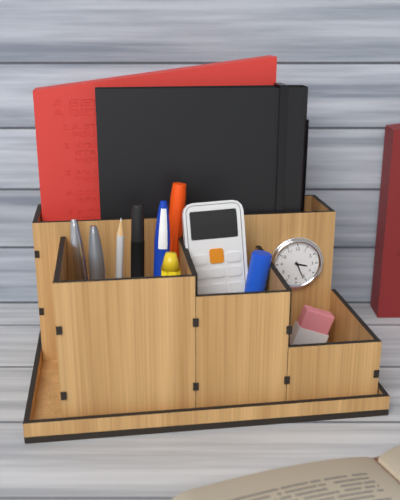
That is 3 h 26 min
